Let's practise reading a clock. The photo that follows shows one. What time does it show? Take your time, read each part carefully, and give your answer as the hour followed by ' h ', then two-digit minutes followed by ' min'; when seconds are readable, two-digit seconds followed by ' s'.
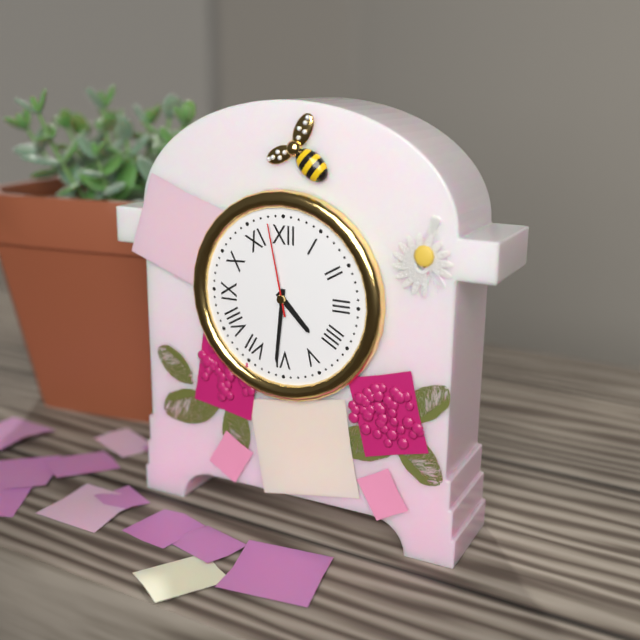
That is 4 h 31 min 58 s
